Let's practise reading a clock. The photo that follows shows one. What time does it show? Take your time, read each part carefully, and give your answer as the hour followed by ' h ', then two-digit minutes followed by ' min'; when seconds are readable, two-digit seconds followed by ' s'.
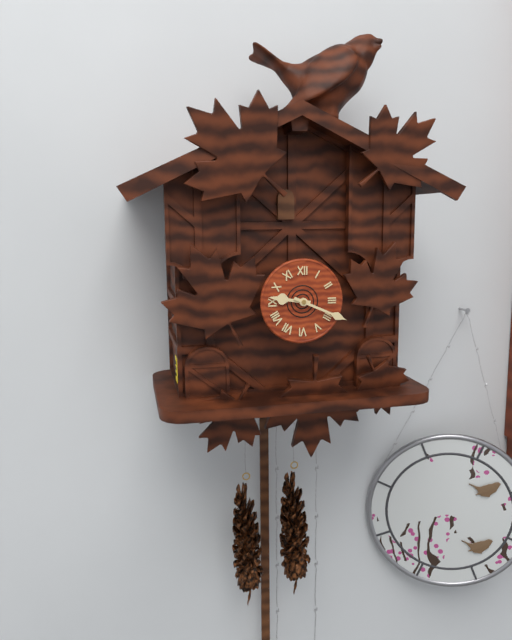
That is 9 h 19 min
